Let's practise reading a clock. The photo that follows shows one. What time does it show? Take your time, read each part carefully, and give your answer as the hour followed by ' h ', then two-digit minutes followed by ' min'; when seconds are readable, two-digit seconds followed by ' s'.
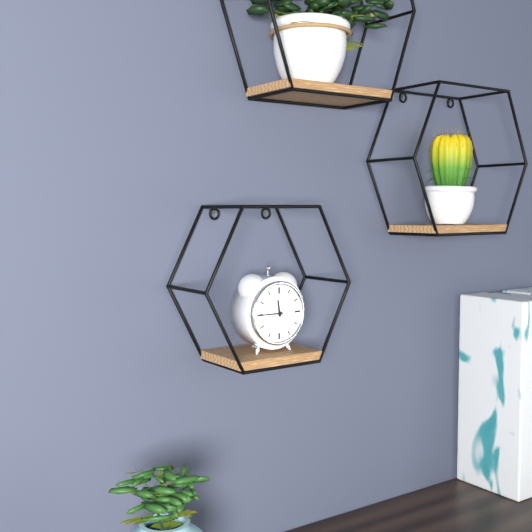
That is 11 h 45 min
